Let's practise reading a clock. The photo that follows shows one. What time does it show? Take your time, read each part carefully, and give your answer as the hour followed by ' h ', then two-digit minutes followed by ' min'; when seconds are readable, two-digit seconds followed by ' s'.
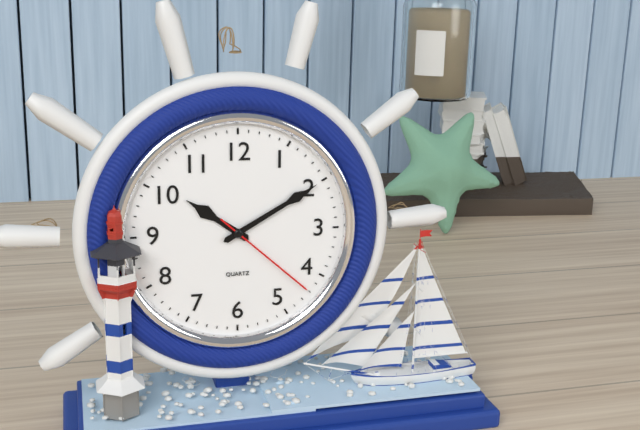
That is 10 h 10 min 22 s
